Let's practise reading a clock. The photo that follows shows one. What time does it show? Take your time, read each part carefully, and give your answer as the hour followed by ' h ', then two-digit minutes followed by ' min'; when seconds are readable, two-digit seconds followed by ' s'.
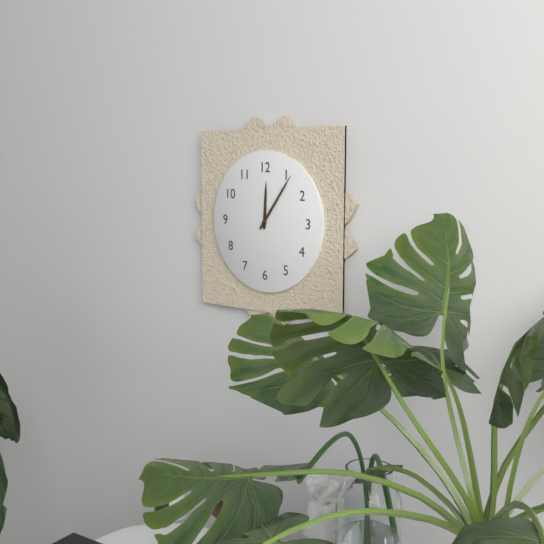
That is 12 h 06 min
